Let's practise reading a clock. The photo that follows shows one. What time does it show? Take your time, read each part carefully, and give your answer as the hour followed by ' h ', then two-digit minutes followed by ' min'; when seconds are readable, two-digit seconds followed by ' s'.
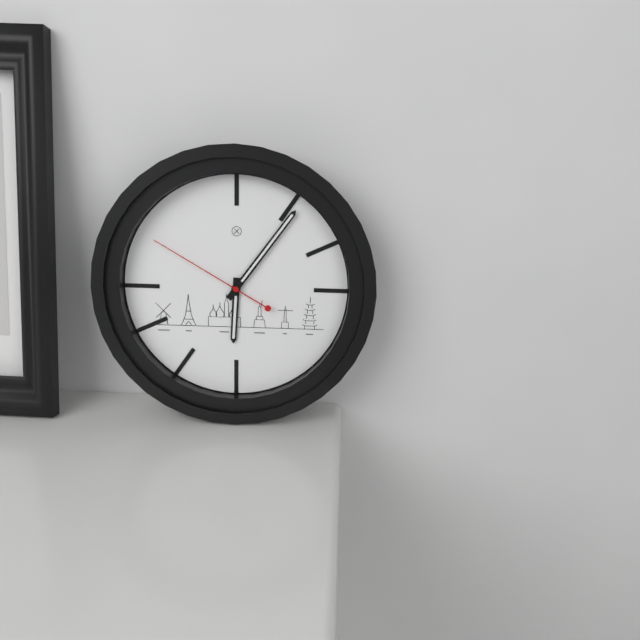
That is 6 h 06 min 50 s
